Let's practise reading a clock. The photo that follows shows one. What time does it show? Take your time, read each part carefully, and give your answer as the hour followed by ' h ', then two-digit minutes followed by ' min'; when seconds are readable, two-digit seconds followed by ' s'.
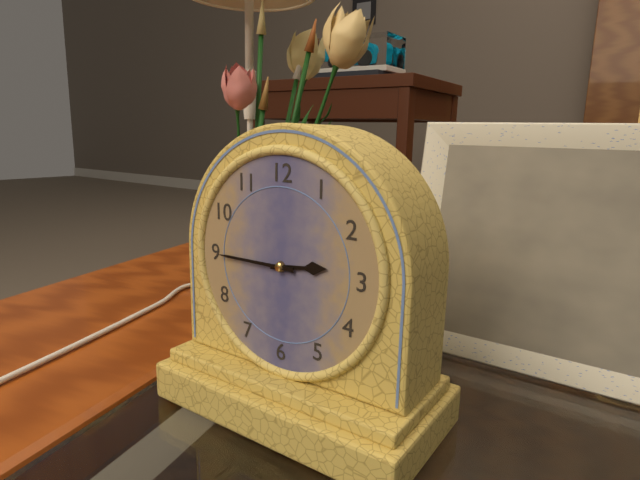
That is 2 h 45 min
